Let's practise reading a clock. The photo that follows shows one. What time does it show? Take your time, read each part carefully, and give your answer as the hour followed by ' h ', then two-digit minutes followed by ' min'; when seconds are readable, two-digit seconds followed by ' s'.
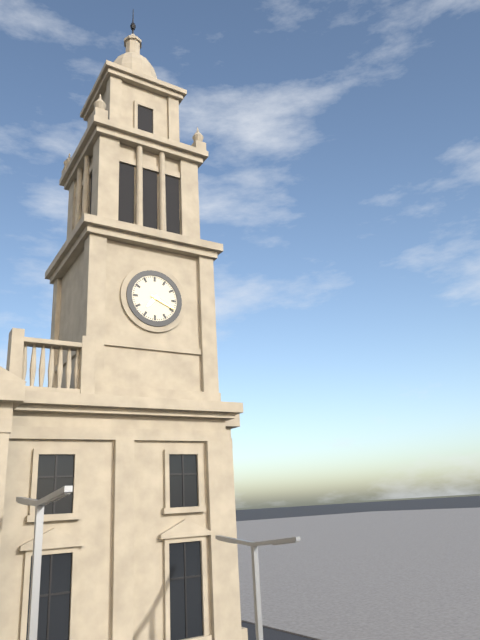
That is 7 h 19 min
